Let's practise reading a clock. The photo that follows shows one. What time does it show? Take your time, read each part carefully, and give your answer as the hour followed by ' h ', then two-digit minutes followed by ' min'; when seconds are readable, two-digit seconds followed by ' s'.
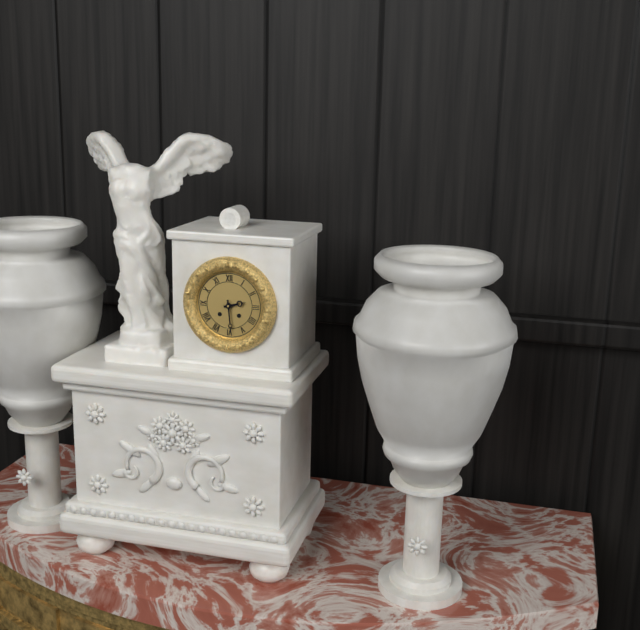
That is 2 h 29 min
